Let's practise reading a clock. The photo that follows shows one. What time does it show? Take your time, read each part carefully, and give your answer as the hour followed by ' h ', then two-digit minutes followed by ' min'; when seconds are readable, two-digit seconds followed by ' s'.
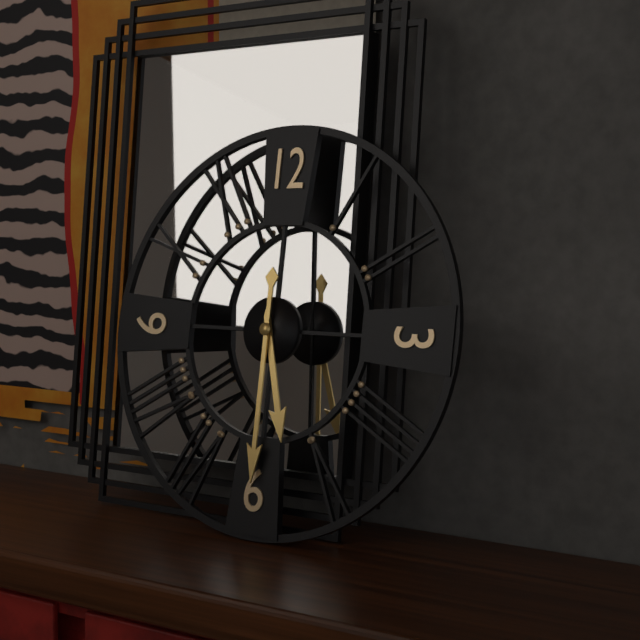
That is 5 h 30 min
